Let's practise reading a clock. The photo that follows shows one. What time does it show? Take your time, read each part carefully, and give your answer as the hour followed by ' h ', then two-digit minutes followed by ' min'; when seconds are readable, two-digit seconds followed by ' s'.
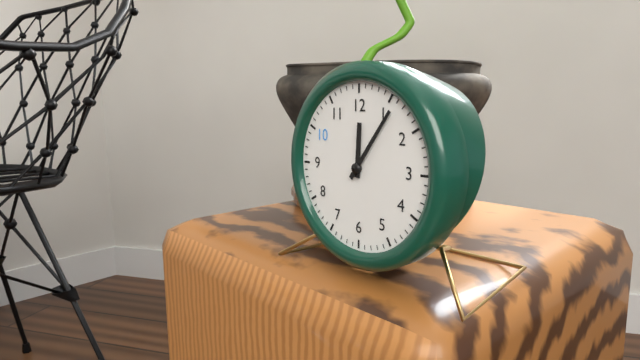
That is 12 h 06 min
